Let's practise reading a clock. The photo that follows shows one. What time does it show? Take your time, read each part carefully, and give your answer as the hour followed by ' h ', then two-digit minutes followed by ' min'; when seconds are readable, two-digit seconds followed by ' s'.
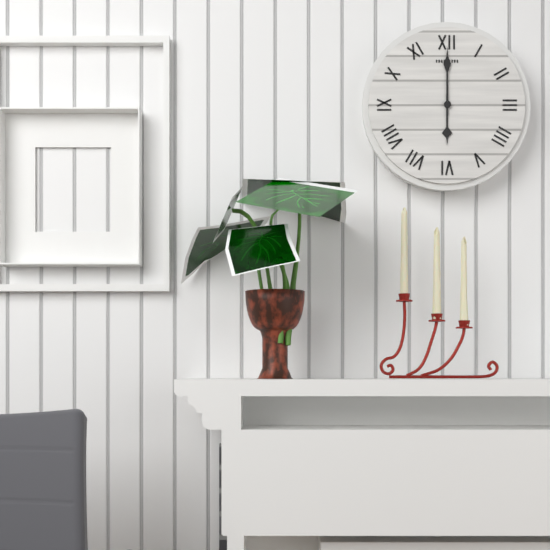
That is 6 h 00 min
